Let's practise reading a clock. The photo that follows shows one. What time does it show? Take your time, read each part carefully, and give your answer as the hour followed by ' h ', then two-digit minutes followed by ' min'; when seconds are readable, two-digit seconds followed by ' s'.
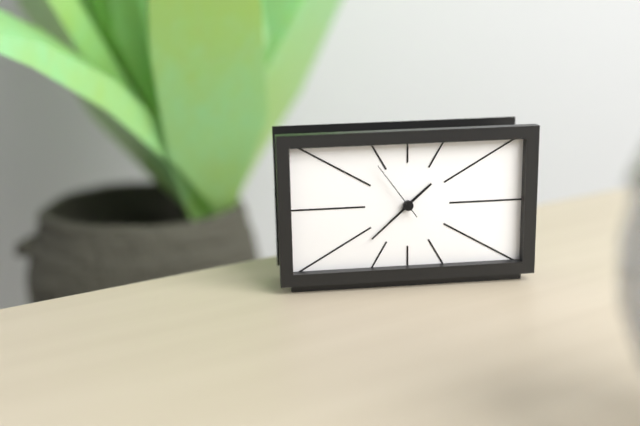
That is 1 h 38 min 54 s
